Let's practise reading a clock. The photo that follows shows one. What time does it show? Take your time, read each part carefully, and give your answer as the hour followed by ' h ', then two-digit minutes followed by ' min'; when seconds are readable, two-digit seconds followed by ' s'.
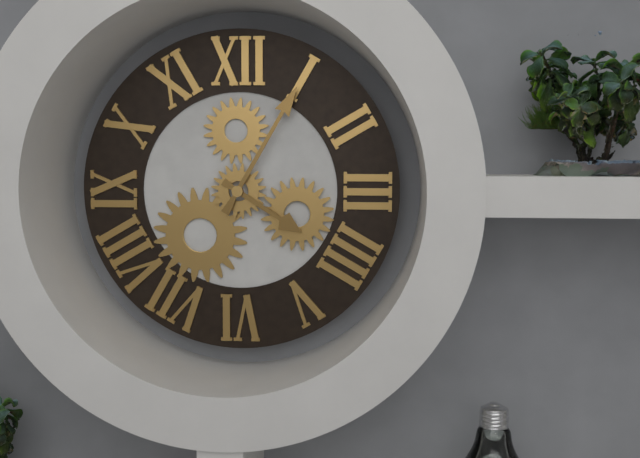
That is 4 h 05 min
